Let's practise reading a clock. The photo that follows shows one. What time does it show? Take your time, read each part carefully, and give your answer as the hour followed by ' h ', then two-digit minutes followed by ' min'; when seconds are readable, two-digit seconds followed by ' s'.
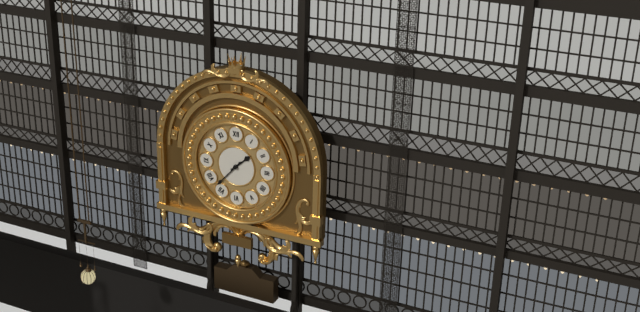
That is 1 h 37 min
